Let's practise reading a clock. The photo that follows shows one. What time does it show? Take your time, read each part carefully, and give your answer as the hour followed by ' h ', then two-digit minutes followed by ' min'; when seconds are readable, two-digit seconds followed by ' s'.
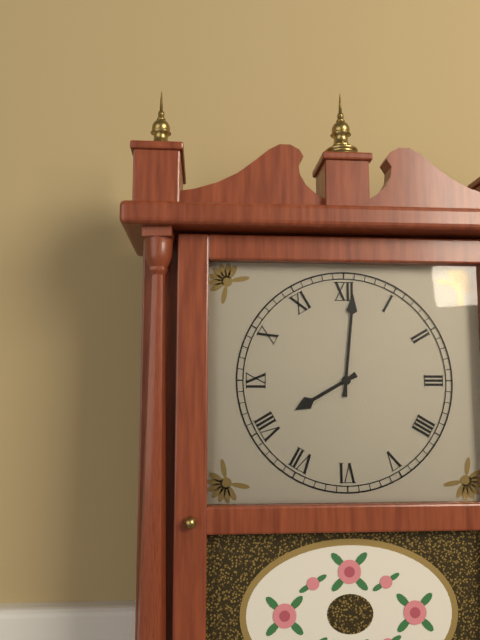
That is 8 h 01 min
